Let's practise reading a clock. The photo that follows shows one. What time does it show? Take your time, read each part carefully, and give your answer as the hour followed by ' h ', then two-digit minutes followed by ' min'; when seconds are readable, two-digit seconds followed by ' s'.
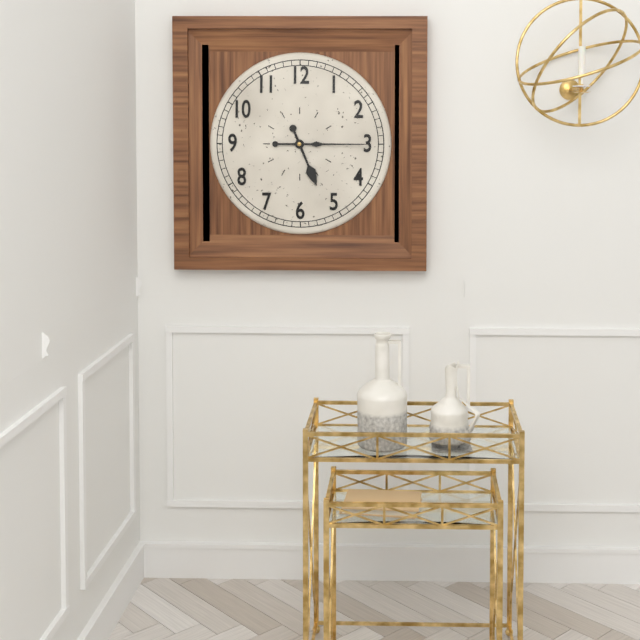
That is 5 h 15 min
